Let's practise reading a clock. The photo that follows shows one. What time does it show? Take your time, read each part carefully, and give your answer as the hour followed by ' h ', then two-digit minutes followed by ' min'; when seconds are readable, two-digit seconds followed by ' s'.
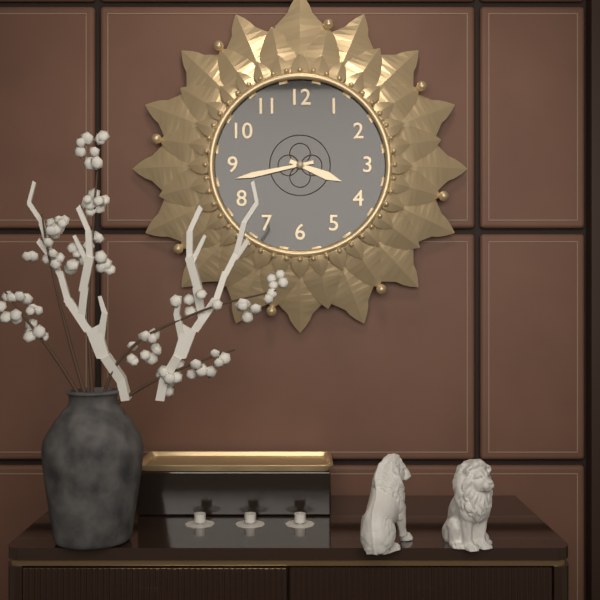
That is 3 h 43 min
